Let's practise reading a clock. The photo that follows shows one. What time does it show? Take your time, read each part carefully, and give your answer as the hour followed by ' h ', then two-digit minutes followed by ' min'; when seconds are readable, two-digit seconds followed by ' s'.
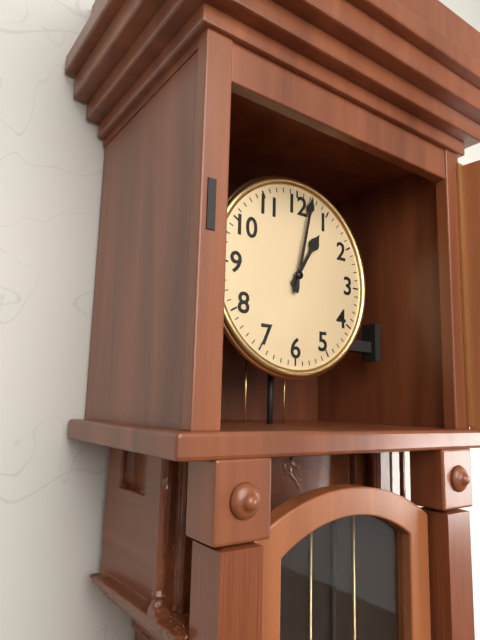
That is 1 h 02 min
